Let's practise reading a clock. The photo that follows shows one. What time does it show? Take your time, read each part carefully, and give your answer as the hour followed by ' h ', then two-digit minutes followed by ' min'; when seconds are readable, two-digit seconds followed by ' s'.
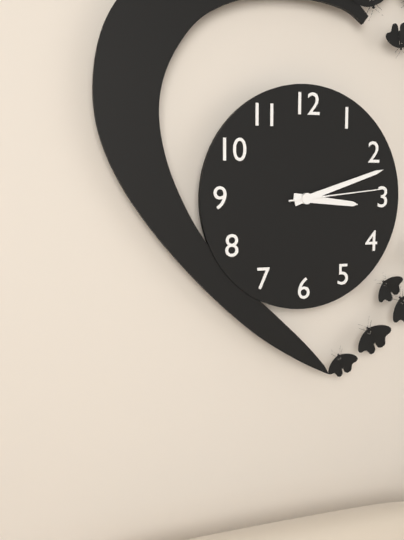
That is 3 h 12 min 14 s
